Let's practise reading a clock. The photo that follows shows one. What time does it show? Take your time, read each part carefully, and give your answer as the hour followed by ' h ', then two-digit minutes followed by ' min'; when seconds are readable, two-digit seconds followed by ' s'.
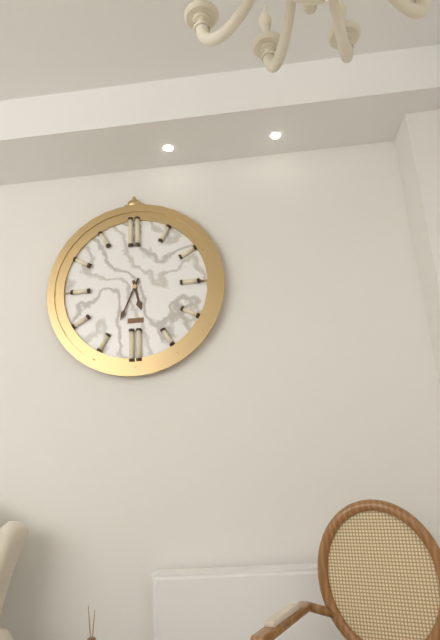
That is 5 h 34 min
